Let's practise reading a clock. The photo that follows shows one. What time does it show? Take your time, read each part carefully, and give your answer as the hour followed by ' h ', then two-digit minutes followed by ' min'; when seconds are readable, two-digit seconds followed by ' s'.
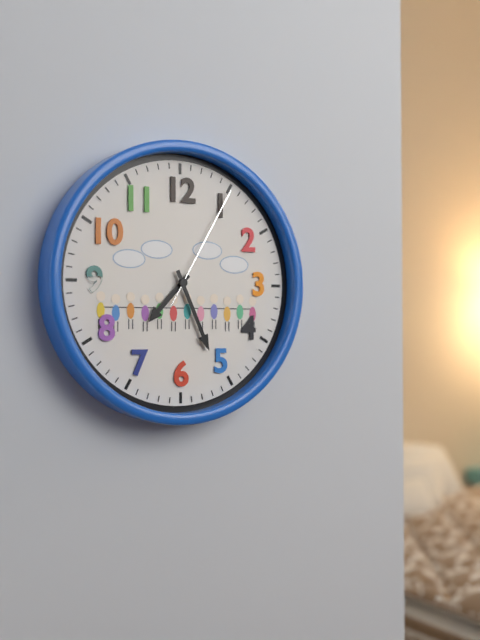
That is 7 h 26 min 05 s
